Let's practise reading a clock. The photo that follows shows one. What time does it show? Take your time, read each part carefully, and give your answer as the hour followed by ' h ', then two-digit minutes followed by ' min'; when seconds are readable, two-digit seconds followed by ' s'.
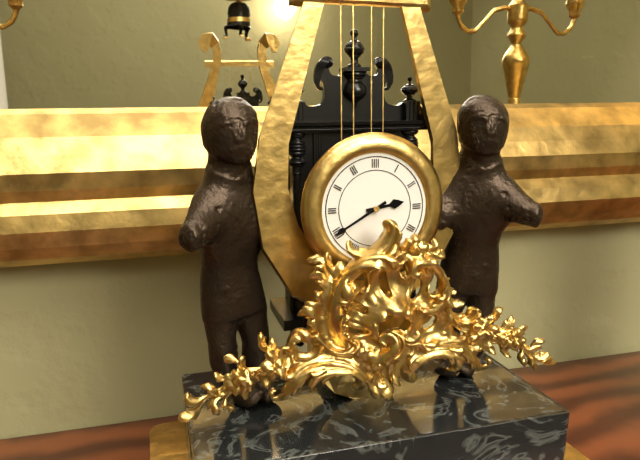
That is 2 h 40 min
